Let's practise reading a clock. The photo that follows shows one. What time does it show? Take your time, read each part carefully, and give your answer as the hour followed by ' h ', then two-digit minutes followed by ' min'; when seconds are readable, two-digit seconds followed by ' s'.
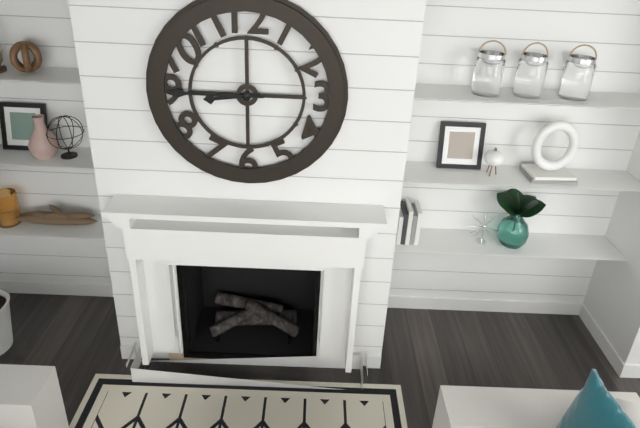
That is 8 h 45 min
